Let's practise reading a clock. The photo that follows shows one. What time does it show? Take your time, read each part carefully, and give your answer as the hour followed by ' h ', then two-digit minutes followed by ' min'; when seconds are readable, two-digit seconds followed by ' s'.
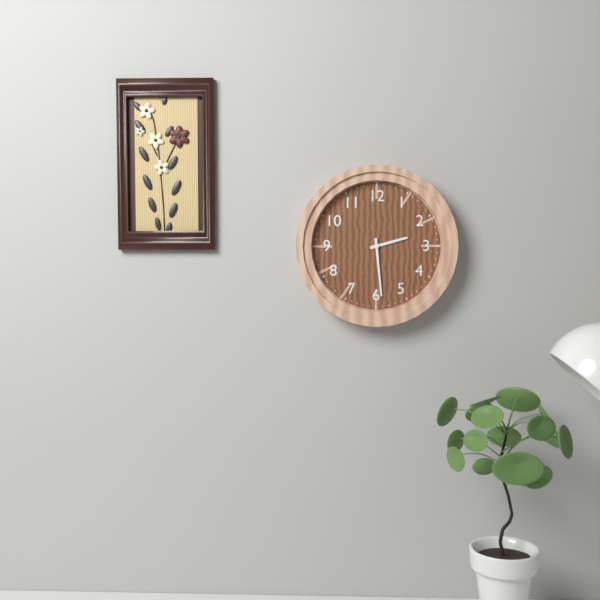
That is 2 h 29 min
